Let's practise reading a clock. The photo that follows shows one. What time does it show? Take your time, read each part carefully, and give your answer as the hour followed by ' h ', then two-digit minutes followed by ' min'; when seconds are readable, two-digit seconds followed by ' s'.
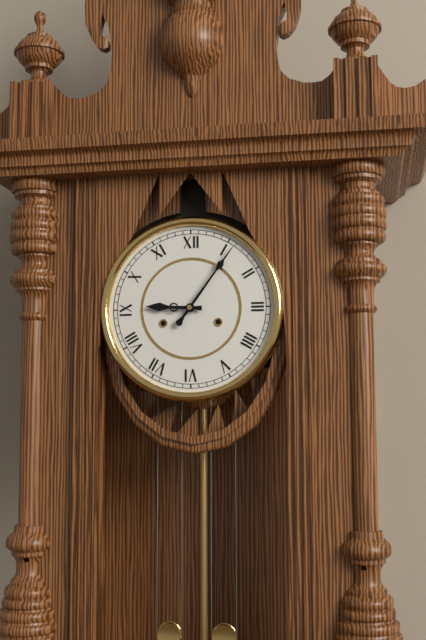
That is 9 h 06 min
